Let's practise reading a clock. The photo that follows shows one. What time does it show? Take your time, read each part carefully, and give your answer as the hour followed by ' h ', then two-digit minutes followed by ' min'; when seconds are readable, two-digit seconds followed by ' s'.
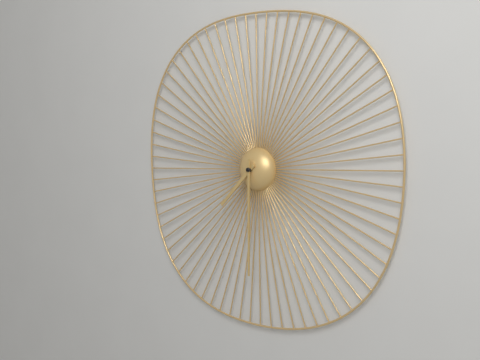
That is 7 h 30 min
